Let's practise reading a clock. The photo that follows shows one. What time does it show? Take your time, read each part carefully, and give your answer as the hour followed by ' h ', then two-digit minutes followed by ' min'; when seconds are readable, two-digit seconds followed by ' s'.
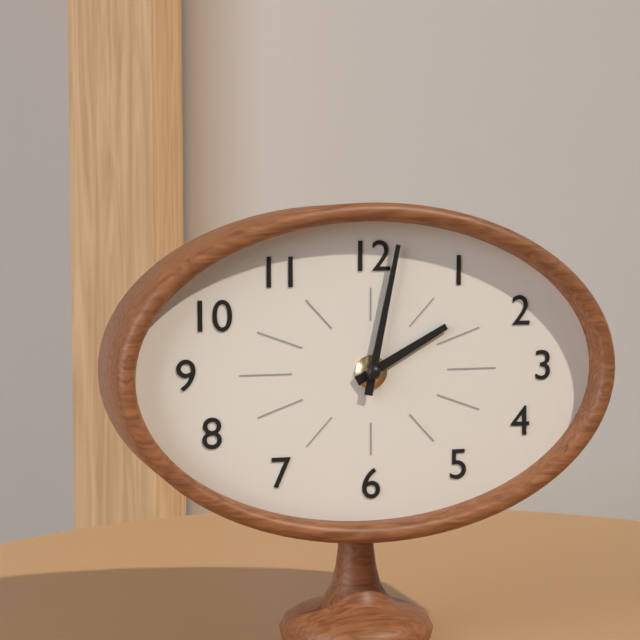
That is 2 h 02 min
